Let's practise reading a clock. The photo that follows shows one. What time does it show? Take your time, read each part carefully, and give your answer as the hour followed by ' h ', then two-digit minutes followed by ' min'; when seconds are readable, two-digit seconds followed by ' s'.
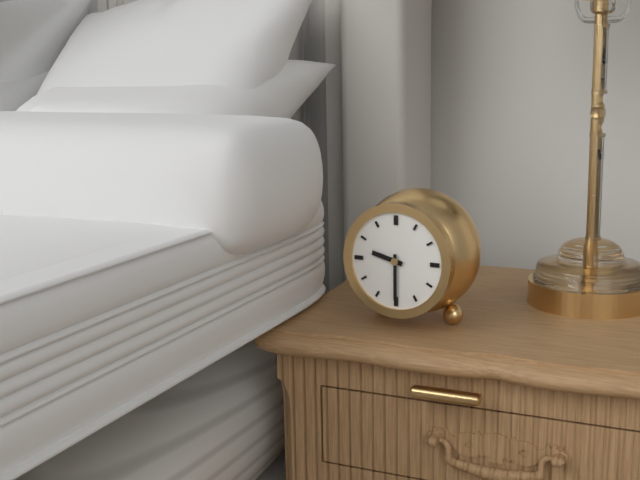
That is 9 h 30 min
